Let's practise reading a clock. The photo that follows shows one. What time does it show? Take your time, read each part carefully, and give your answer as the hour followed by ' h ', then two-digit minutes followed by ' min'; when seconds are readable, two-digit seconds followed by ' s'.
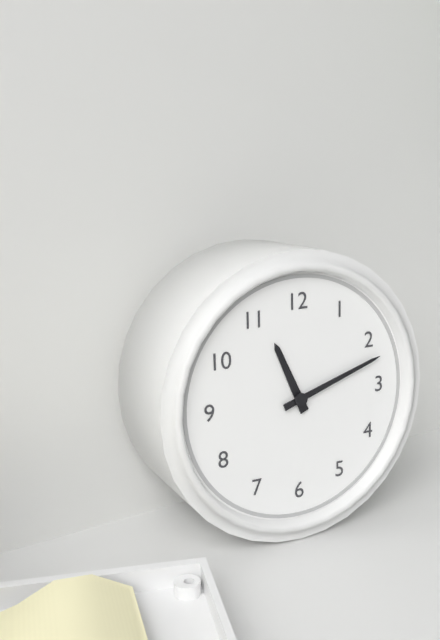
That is 11 h 12 min
